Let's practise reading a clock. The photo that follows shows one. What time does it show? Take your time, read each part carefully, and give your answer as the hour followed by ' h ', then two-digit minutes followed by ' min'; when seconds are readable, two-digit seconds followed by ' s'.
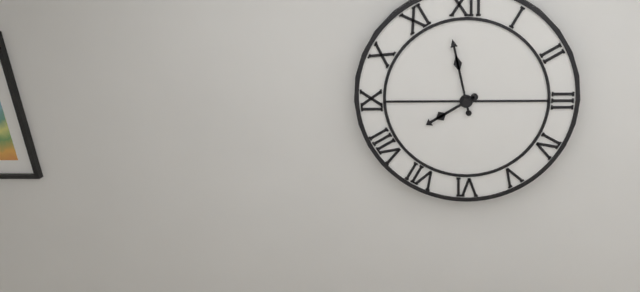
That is 7 h 58 min
